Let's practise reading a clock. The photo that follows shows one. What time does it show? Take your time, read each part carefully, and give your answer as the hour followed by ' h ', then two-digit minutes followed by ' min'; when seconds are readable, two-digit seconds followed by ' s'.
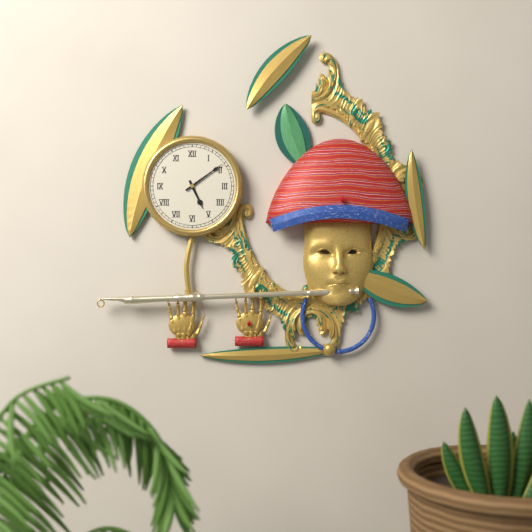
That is 5 h 09 min
